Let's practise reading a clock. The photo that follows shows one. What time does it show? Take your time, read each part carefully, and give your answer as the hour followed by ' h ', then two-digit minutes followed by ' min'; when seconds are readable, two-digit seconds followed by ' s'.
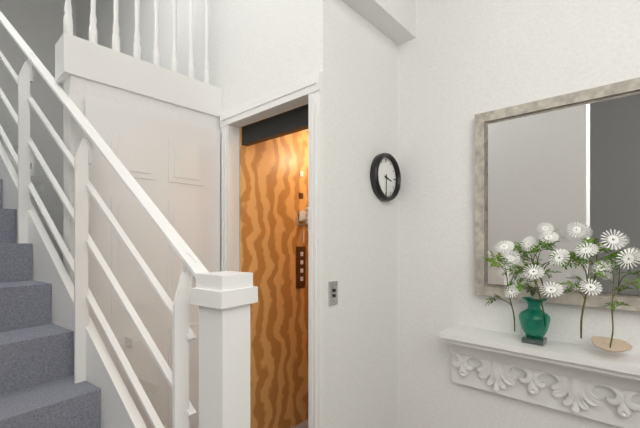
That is 3 h 30 min
